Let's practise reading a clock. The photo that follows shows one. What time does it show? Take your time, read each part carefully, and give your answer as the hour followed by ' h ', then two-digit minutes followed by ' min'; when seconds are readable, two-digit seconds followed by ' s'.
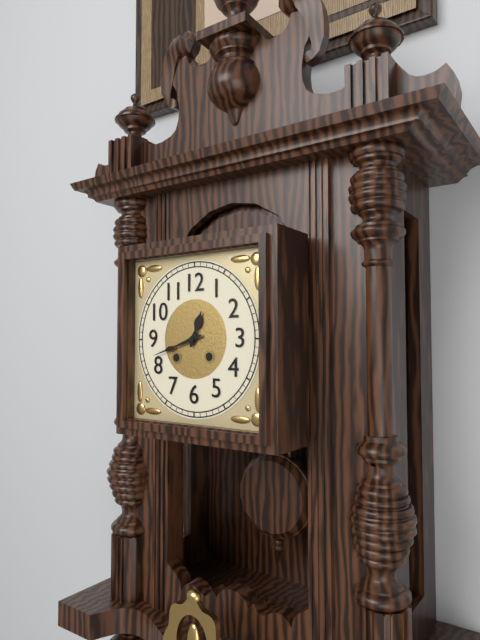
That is 12 h 42 min
